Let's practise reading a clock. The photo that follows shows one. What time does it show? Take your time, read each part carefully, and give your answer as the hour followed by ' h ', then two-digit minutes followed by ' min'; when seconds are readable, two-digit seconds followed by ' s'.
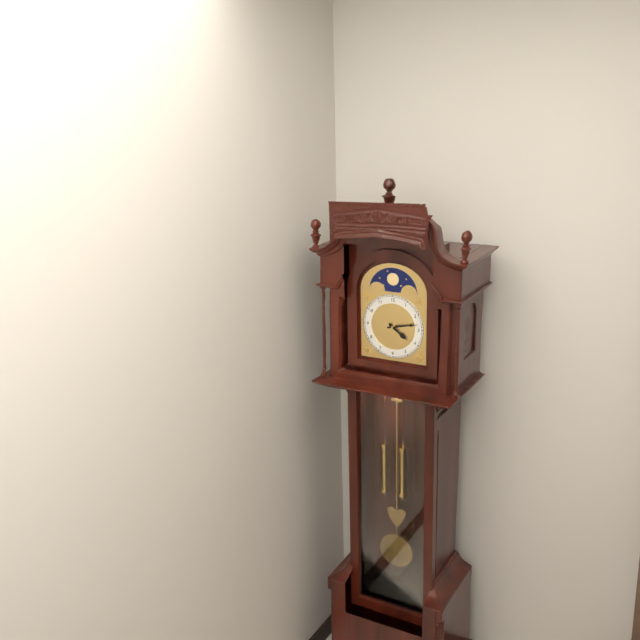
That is 4 h 13 min
